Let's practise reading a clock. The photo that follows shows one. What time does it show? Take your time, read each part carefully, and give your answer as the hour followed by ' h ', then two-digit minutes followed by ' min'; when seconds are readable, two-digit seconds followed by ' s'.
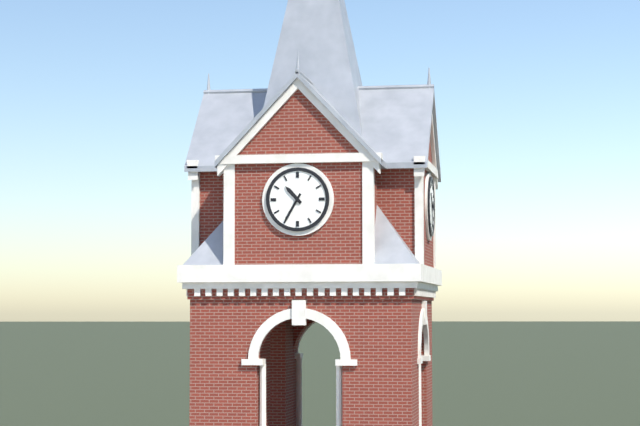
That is 10 h 35 min
